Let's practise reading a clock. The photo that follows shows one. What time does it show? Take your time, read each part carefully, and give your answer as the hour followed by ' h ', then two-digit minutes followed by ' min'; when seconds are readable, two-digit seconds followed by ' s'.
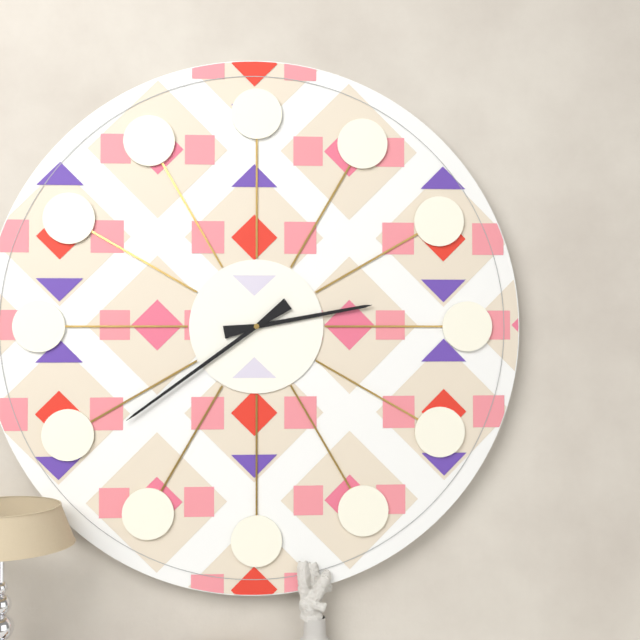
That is 2 h 39 min
